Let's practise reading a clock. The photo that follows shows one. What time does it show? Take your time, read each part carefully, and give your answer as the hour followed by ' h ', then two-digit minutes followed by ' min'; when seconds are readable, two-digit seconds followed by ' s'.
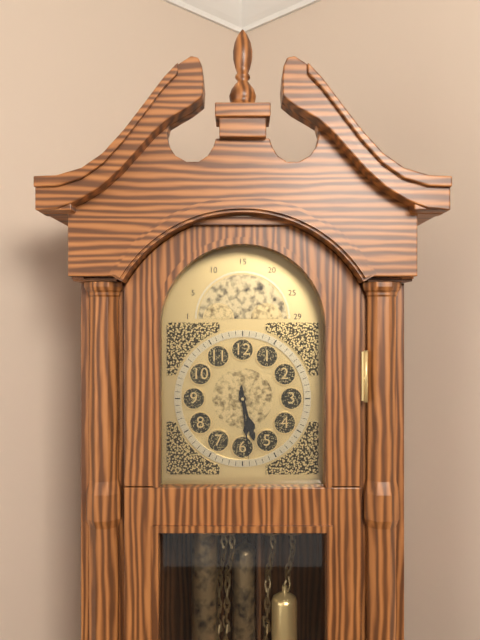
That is 5 h 29 min
